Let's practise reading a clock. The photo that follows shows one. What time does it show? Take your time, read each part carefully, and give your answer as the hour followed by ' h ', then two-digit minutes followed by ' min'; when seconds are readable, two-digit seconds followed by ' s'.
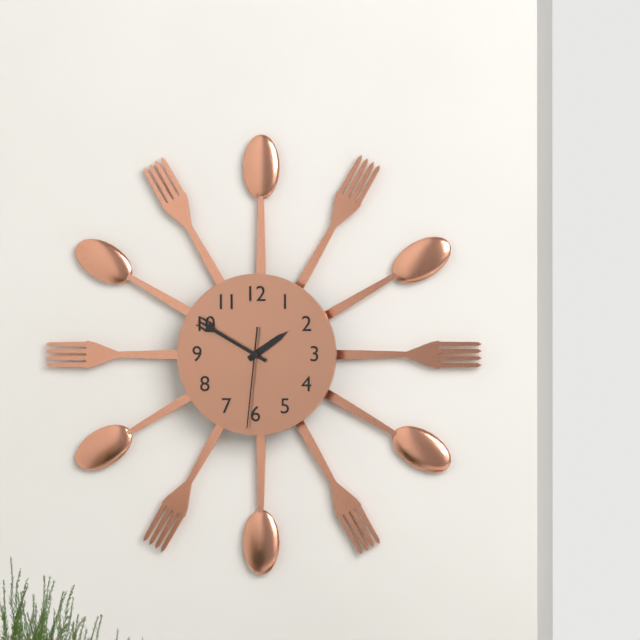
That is 1 h 50 min 31 s
